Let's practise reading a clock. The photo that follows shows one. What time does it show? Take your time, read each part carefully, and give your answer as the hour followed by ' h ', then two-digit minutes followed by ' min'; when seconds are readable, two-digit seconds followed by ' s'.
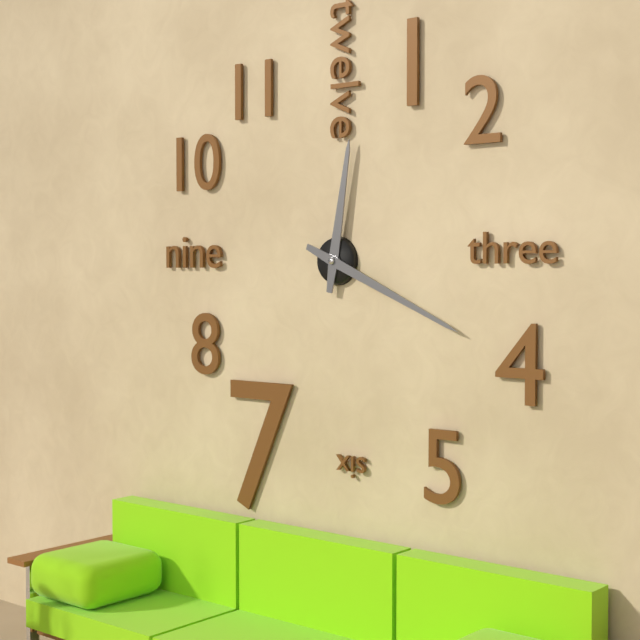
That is 12 h 19 min
